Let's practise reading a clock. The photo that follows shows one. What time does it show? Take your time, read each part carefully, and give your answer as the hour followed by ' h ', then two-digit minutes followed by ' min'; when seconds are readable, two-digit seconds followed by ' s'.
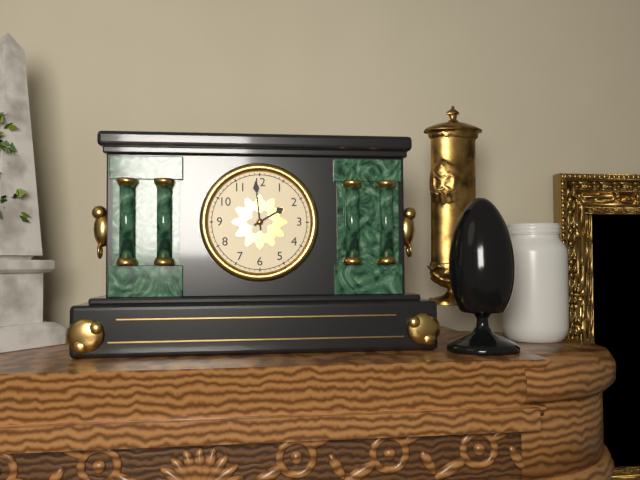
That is 1 h 59 min
